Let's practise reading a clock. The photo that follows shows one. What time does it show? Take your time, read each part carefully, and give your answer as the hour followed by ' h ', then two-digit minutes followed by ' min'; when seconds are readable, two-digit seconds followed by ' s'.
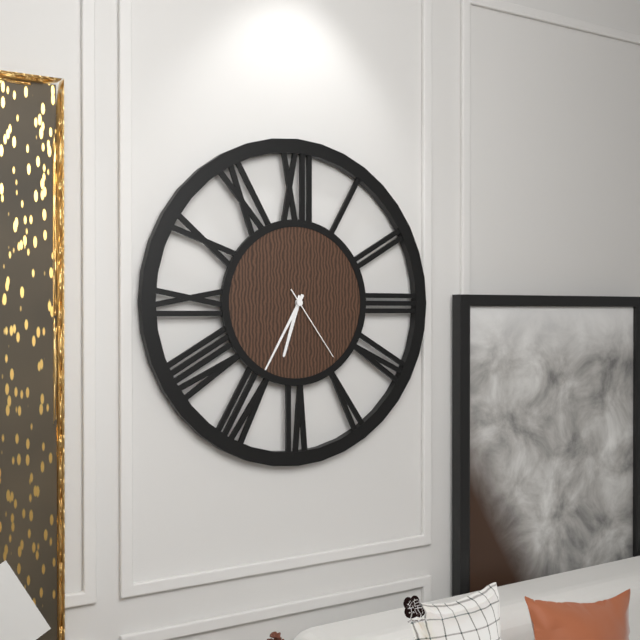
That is 6 h 35 min 24 s
